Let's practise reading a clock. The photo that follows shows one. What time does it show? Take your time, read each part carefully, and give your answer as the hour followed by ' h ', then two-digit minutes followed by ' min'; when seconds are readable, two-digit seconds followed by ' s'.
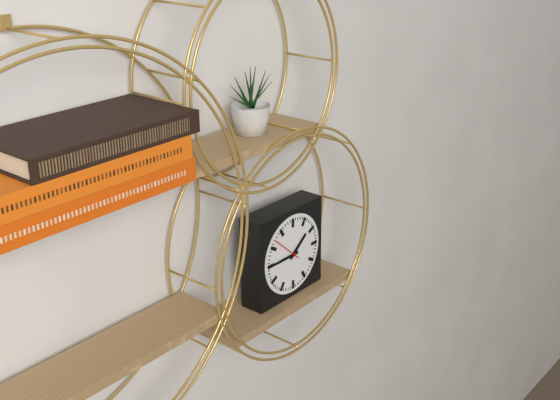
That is 1 h 45 min
